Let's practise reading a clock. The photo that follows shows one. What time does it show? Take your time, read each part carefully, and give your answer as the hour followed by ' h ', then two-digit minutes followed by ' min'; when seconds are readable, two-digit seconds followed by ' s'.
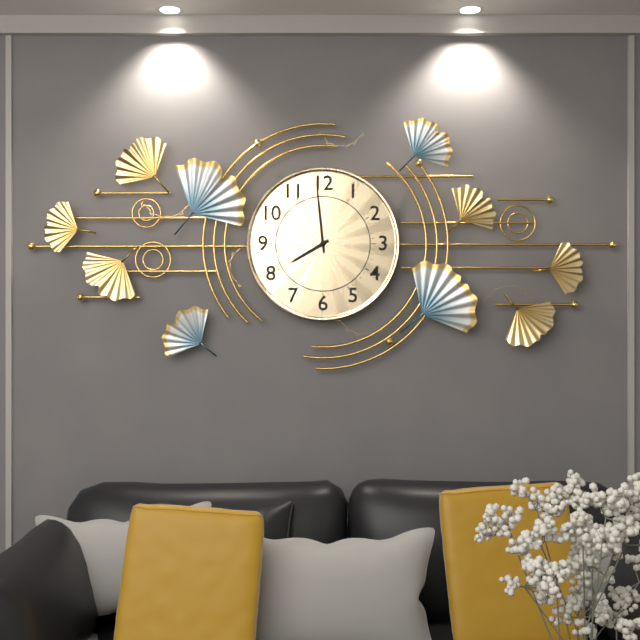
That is 7 h 59 min
